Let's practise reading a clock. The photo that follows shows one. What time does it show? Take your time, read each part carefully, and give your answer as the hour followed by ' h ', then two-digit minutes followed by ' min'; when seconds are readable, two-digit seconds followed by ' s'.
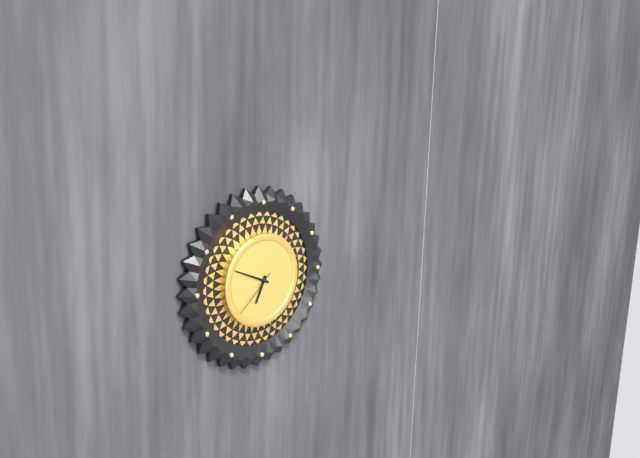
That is 6 h 49 min
